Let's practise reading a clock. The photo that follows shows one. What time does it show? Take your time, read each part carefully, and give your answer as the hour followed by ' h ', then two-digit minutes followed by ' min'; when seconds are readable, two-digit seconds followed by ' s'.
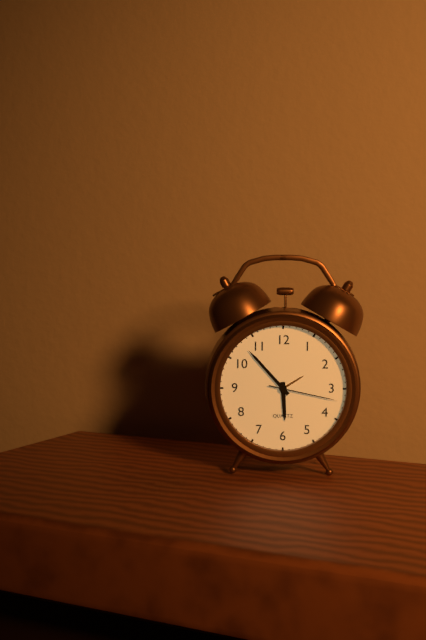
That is 5 h 53 min 17 s
